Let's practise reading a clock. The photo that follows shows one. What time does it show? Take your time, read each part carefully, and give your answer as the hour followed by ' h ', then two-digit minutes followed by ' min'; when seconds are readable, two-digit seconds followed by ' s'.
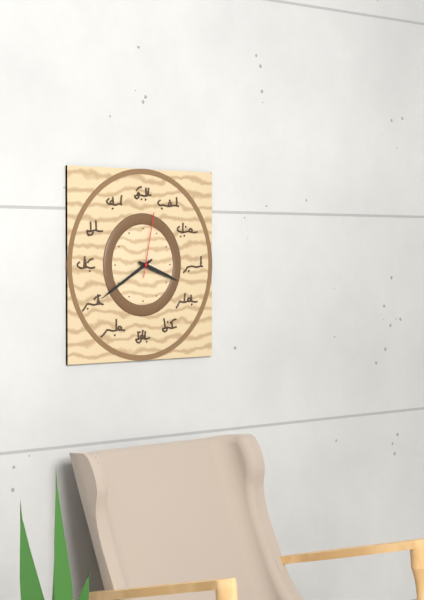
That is 3 h 40 min 02 s
